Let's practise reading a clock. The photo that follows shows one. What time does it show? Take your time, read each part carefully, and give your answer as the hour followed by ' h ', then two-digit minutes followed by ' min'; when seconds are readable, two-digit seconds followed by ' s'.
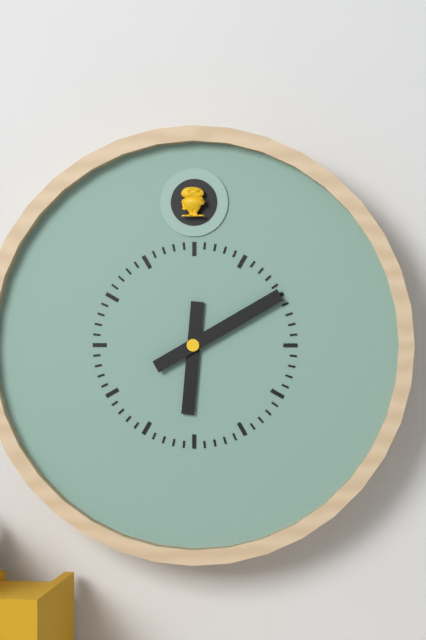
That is 6 h 10 min
